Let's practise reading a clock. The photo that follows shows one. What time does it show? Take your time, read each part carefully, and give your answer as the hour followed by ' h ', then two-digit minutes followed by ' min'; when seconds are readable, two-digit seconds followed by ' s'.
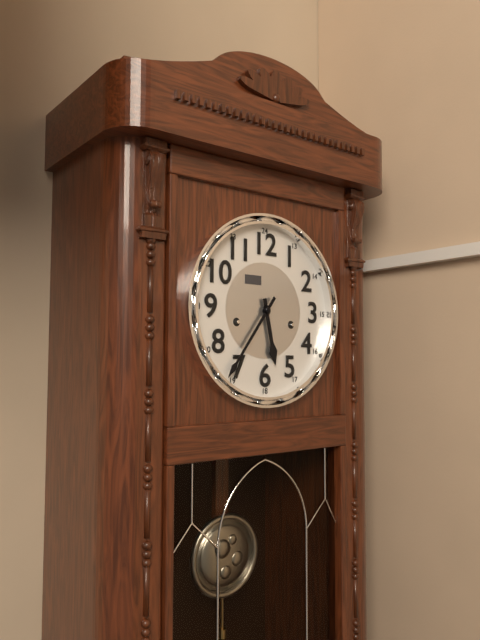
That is 5 h 36 min
